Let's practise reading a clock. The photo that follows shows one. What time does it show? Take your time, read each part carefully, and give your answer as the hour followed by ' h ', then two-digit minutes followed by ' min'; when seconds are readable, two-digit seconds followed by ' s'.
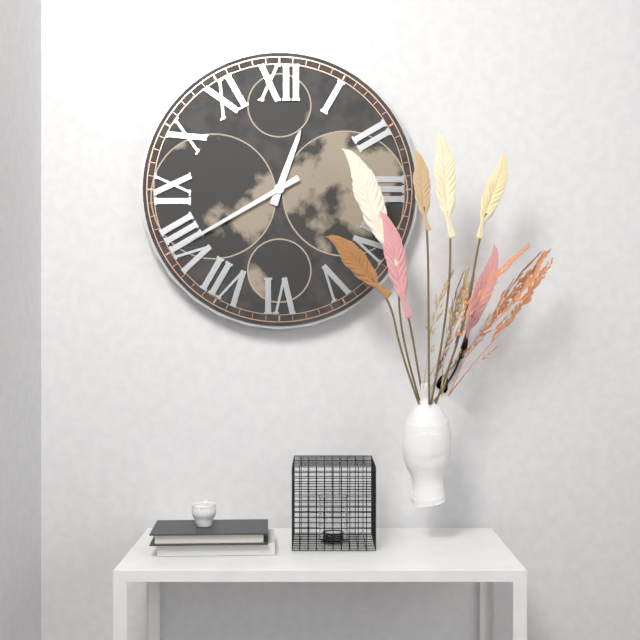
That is 12 h 40 min
